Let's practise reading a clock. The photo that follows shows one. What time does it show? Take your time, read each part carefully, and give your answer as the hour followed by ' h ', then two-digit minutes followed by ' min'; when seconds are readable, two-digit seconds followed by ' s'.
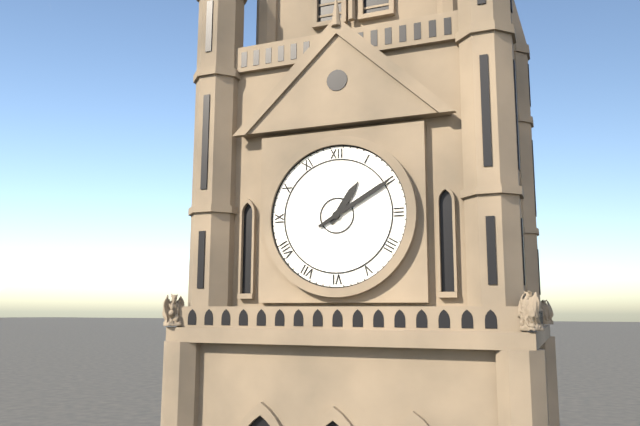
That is 1 h 10 min
